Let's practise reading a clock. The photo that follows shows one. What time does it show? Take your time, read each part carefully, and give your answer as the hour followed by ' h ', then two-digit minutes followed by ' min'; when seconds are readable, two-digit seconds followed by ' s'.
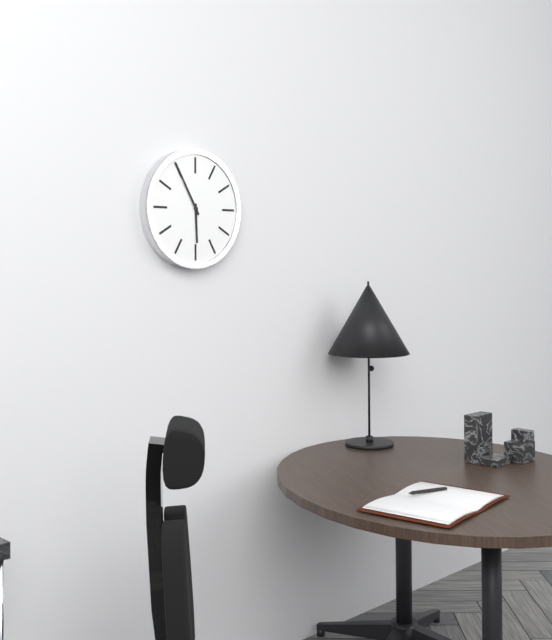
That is 5 h 55 min
